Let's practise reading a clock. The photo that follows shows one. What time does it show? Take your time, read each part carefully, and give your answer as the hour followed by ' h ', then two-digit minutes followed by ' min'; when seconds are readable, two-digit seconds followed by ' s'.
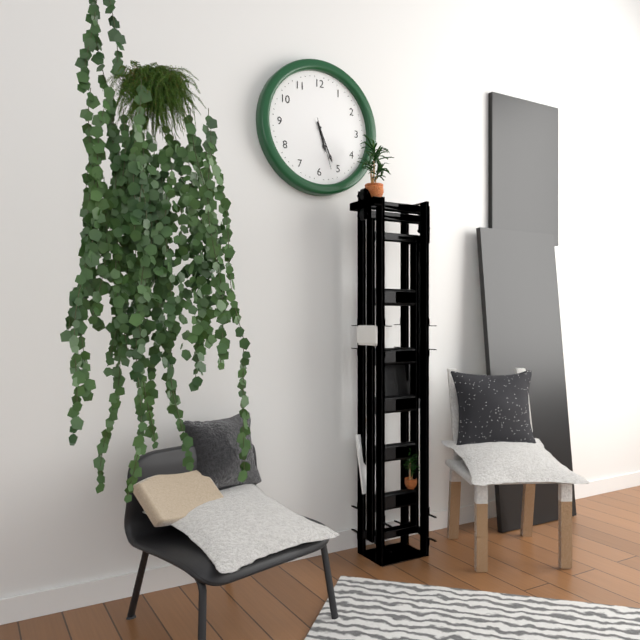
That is 5 h 26 min 27 s
